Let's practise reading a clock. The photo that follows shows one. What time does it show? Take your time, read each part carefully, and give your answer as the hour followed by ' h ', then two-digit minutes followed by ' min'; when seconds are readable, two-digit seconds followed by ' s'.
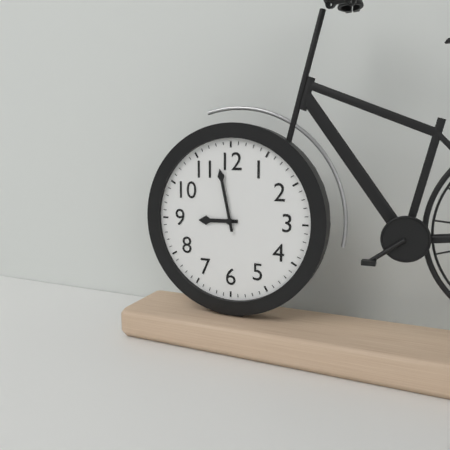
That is 8 h 58 min
